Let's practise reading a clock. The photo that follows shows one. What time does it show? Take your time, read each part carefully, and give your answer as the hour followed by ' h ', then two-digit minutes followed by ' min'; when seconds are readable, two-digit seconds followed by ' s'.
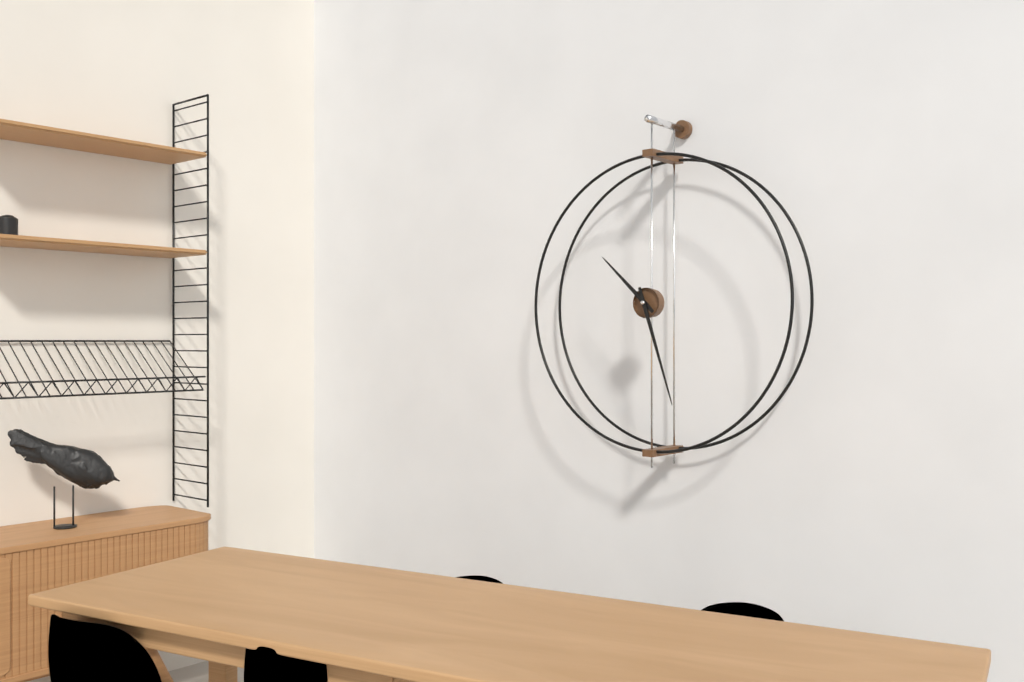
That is 10 h 27 min
